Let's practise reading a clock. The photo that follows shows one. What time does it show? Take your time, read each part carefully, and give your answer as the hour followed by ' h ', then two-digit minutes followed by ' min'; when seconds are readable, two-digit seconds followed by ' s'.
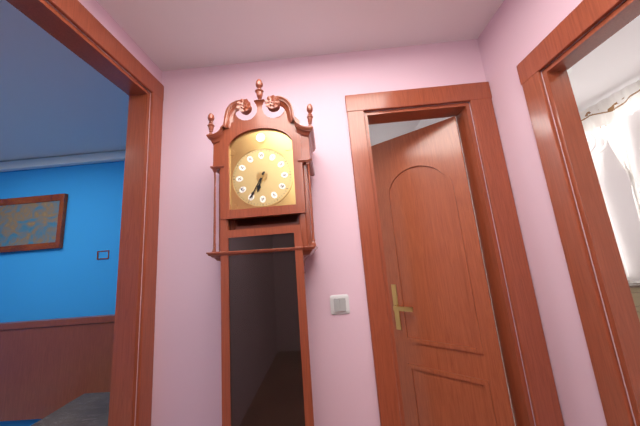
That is 6 h 35 min
